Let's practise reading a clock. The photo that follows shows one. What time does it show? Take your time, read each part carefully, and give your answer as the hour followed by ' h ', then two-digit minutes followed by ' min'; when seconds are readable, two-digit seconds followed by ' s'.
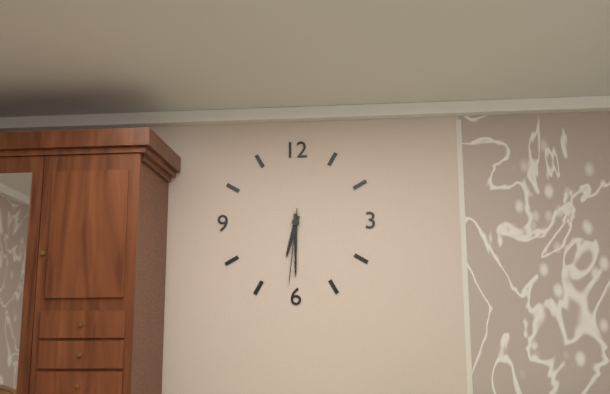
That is 6 h 30 min 31 s
